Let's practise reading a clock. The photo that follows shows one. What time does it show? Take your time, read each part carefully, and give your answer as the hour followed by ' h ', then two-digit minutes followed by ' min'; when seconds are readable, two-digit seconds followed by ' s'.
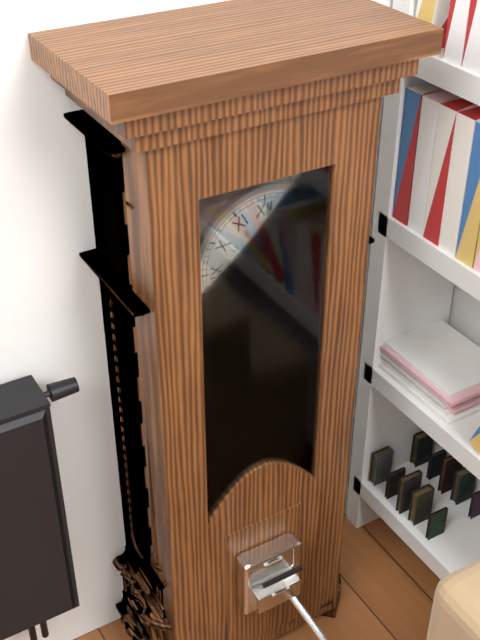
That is 7 h 01 min
